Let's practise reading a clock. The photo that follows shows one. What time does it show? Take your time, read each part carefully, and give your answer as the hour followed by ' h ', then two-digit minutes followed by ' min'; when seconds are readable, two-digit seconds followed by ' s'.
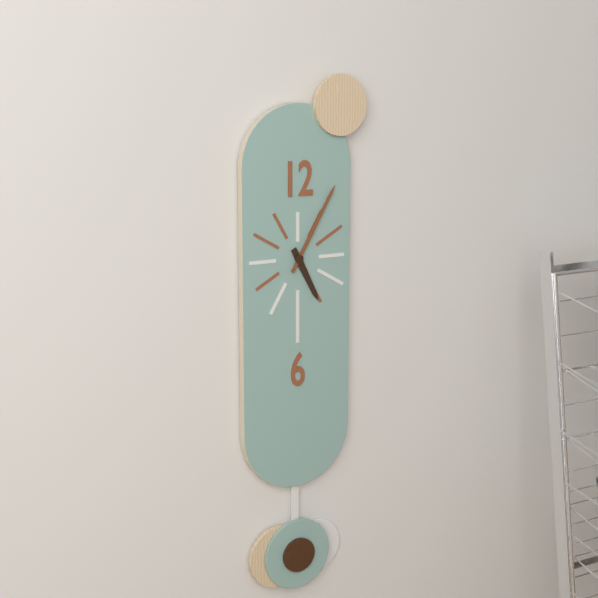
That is 5 h 05 min
